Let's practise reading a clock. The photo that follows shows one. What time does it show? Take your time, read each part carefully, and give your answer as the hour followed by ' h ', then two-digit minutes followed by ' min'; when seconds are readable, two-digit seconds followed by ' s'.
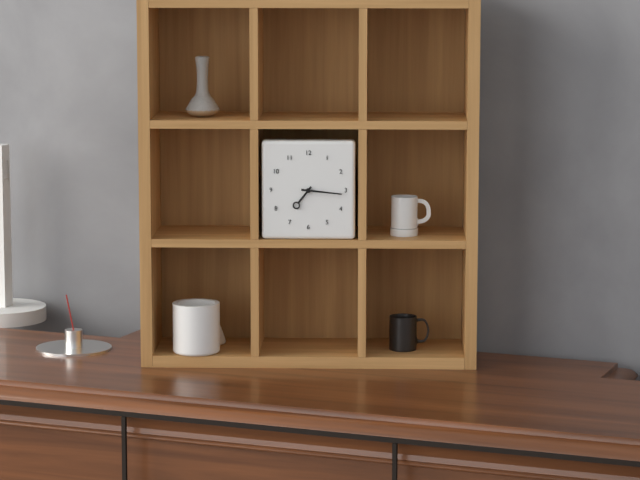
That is 7 h 16 min
